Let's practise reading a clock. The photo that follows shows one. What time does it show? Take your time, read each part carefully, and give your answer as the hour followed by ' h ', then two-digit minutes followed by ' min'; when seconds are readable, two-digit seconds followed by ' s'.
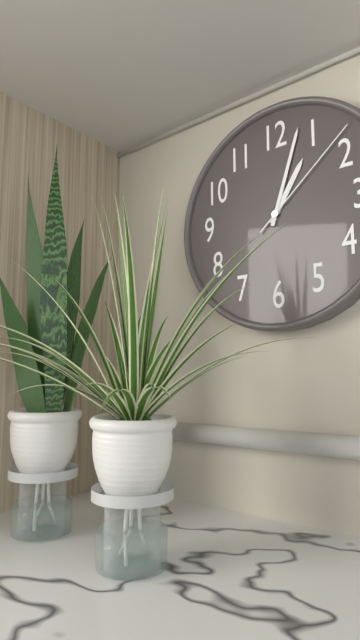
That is 1 h 03 min 08 s
